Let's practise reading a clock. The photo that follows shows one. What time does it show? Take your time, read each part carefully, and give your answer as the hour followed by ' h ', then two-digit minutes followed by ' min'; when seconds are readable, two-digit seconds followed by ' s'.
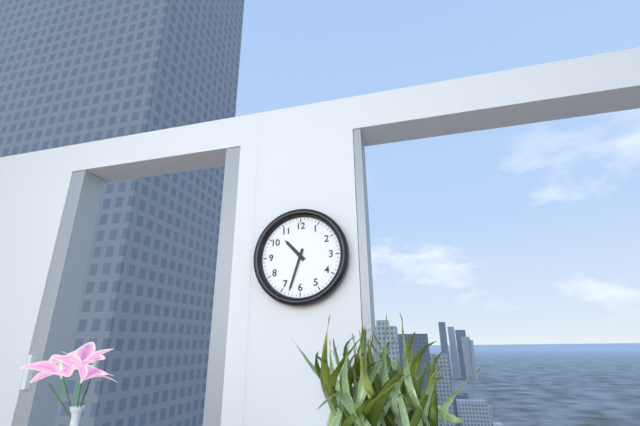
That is 10 h 33 min
